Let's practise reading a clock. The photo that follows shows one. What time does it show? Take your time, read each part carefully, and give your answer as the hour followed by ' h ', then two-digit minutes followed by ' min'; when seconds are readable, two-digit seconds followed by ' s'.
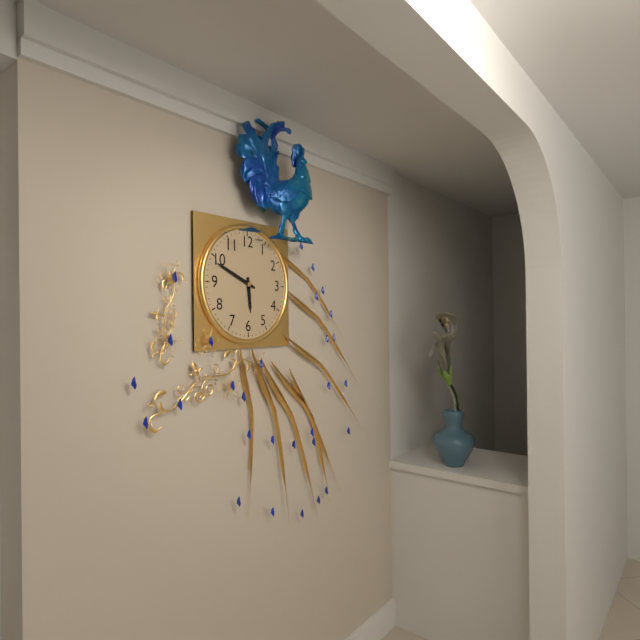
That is 5 h 49 min
